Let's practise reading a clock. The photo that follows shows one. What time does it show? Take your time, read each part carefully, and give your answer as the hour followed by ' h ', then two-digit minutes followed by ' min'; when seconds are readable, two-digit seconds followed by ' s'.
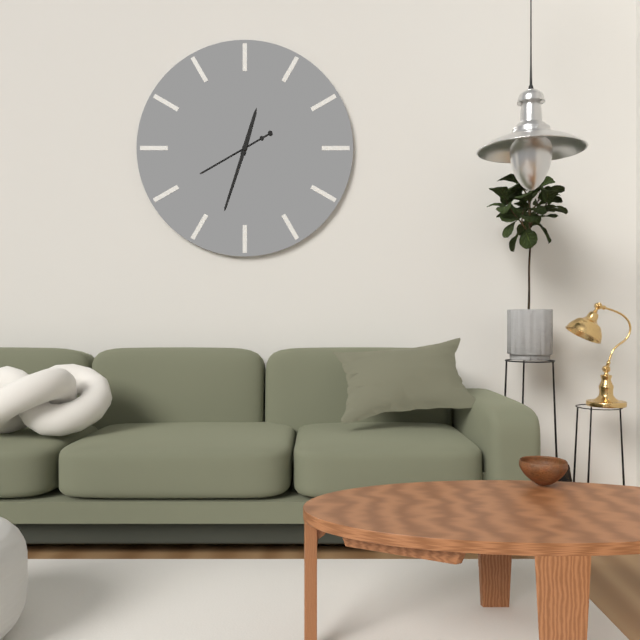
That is 12 h 33 min 40 s
